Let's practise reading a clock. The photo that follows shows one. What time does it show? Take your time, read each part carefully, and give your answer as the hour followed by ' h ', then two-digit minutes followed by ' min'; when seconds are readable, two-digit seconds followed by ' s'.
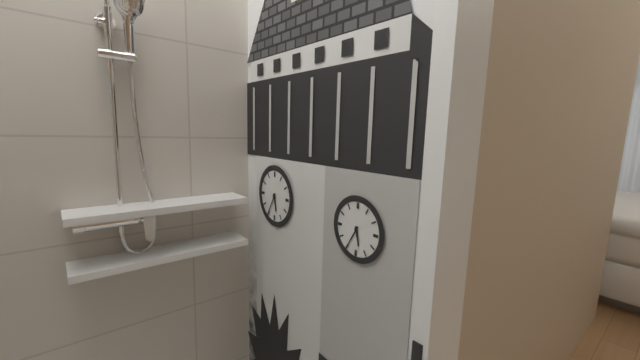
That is 5 h 35 min
